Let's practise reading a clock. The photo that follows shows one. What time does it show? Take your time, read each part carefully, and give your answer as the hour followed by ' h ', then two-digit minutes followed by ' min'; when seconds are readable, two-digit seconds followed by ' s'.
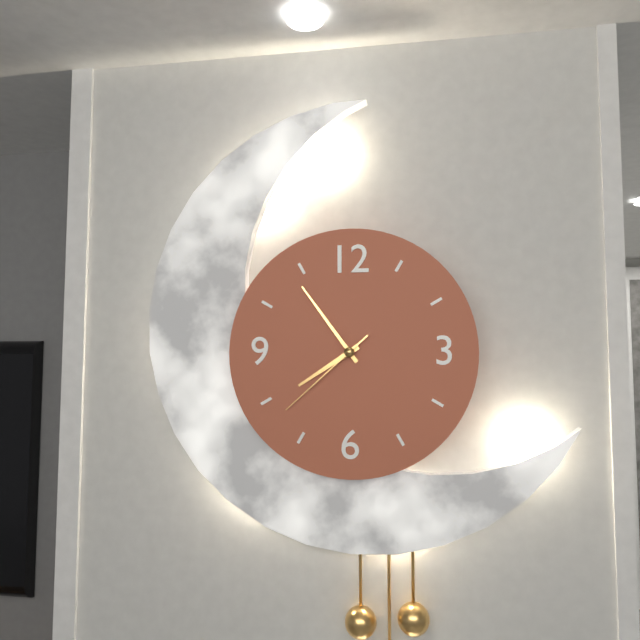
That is 7 h 54 min 38 s
